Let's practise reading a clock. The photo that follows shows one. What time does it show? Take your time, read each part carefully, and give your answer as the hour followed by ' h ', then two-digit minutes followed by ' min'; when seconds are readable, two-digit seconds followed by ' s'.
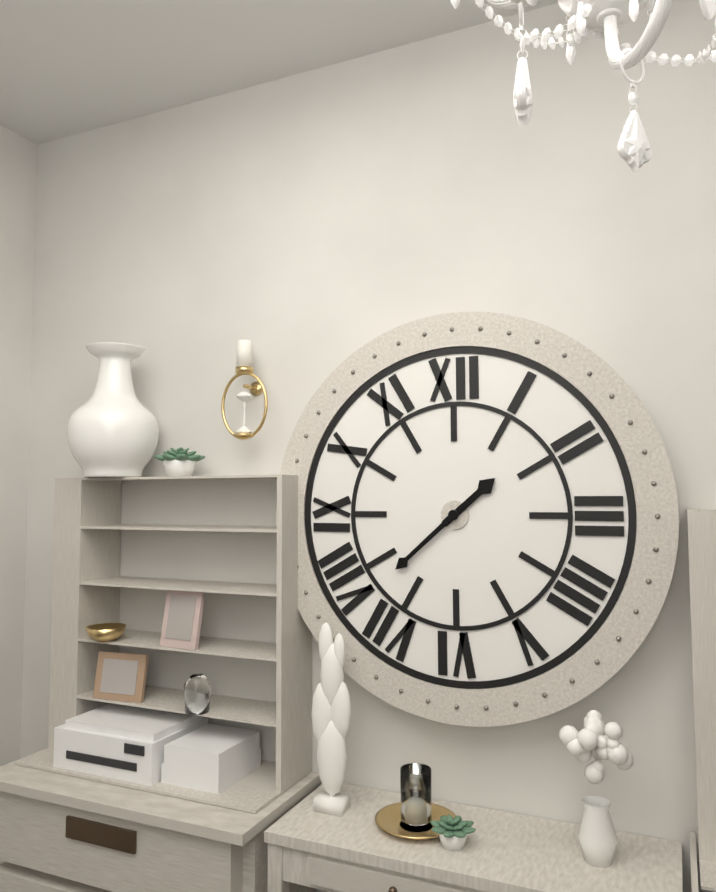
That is 1 h 38 min
